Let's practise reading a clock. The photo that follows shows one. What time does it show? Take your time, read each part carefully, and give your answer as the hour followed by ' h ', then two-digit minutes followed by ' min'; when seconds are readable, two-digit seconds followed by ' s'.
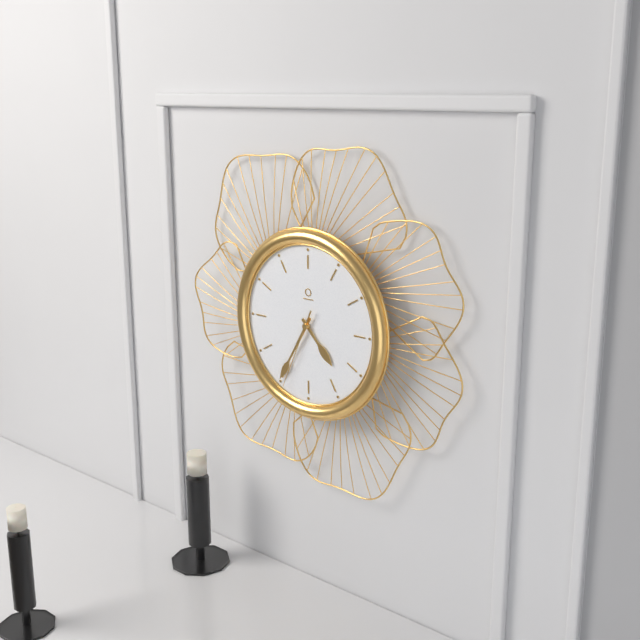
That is 4 h 35 min 34 s
